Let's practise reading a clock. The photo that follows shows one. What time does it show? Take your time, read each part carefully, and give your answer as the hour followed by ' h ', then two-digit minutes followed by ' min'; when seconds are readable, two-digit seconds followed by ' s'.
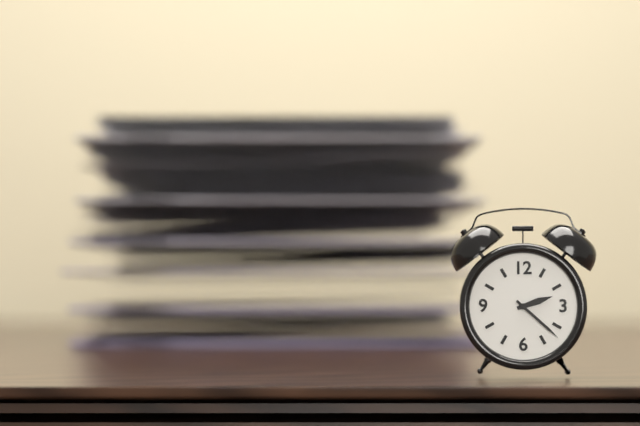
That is 2 h 22 min
